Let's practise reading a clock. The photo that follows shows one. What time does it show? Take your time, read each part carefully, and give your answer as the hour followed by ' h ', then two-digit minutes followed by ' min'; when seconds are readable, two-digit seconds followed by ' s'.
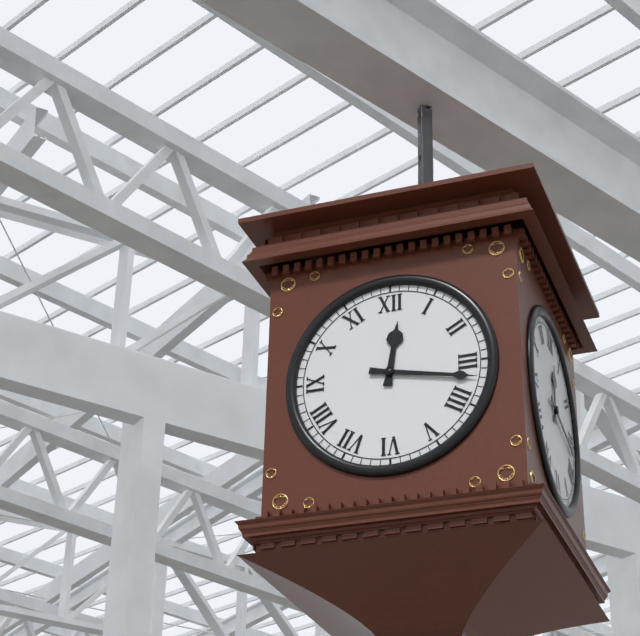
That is 12 h 17 min
